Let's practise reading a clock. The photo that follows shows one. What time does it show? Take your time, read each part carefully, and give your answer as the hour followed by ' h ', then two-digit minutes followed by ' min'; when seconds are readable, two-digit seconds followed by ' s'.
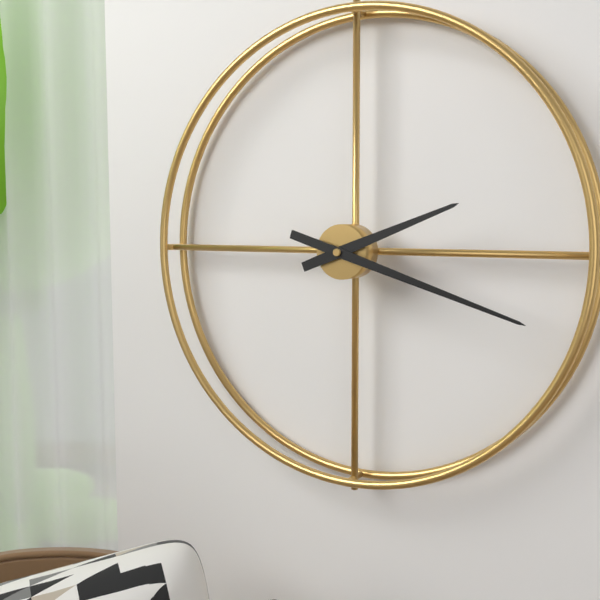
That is 2 h 18 min
